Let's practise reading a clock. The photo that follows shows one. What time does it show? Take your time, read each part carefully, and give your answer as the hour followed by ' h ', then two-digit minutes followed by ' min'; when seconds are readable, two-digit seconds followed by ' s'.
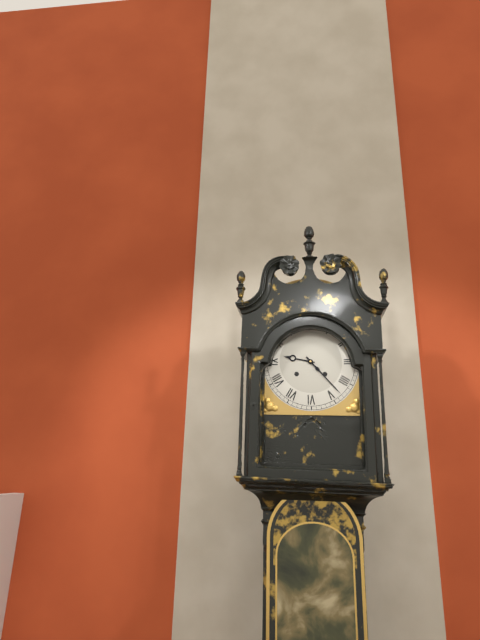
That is 9 h 23 min
